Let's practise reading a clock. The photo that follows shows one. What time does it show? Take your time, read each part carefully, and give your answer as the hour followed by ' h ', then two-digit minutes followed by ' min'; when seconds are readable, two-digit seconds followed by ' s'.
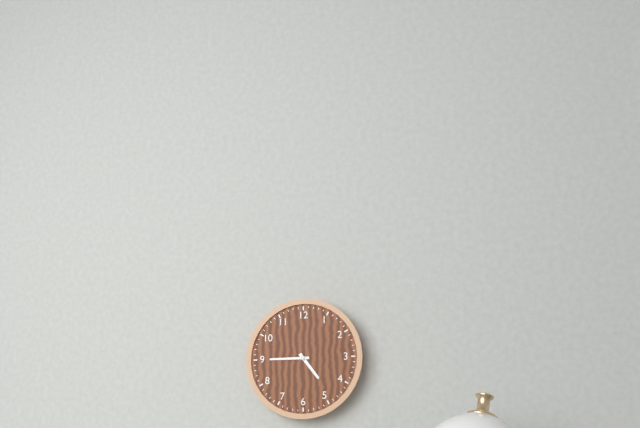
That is 4 h 45 min
